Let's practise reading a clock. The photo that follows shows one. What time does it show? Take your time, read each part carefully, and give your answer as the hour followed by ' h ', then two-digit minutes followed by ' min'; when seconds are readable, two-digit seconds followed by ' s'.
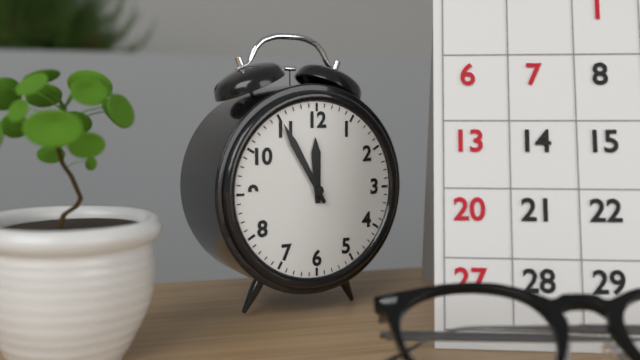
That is 11 h 55 min
